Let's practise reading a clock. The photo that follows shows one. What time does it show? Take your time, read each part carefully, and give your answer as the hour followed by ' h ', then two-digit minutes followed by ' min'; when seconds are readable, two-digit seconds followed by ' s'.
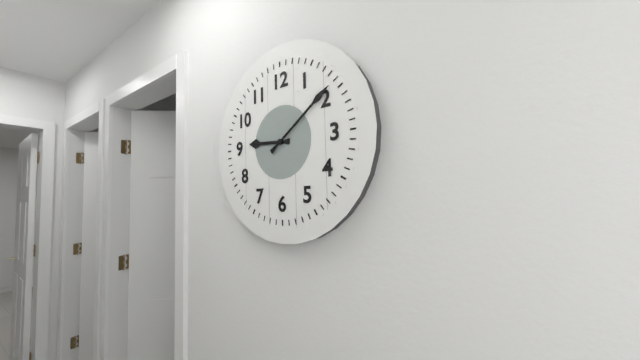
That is 9 h 09 min
